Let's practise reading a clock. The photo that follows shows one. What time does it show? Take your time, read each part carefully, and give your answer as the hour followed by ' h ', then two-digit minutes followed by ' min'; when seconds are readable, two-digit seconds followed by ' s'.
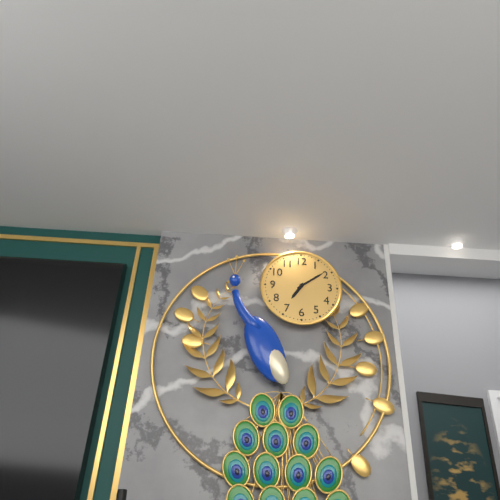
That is 7 h 09 min
